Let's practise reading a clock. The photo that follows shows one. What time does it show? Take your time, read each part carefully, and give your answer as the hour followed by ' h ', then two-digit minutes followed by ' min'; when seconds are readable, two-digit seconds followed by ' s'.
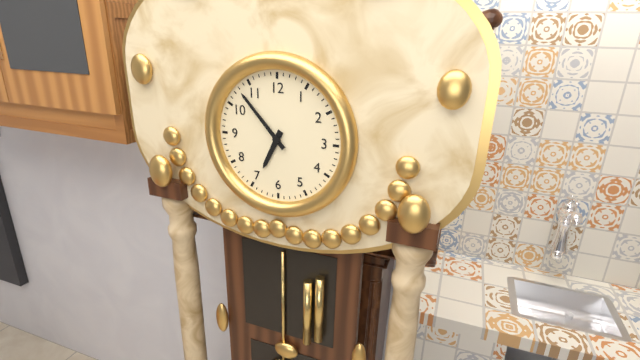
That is 6 h 53 min
